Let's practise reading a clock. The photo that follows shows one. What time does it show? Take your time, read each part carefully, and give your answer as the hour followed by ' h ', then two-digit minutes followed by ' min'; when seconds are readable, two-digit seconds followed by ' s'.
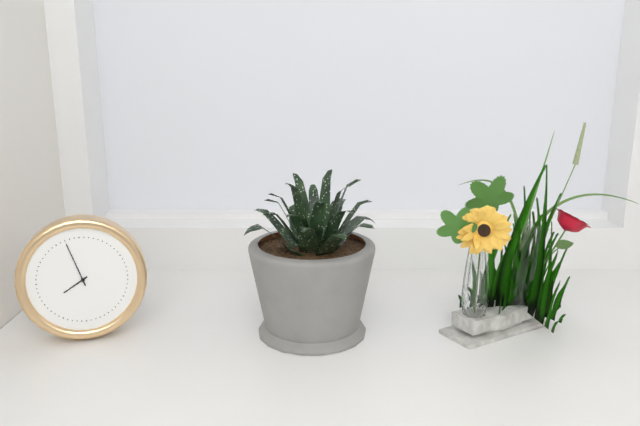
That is 7 h 57 min
